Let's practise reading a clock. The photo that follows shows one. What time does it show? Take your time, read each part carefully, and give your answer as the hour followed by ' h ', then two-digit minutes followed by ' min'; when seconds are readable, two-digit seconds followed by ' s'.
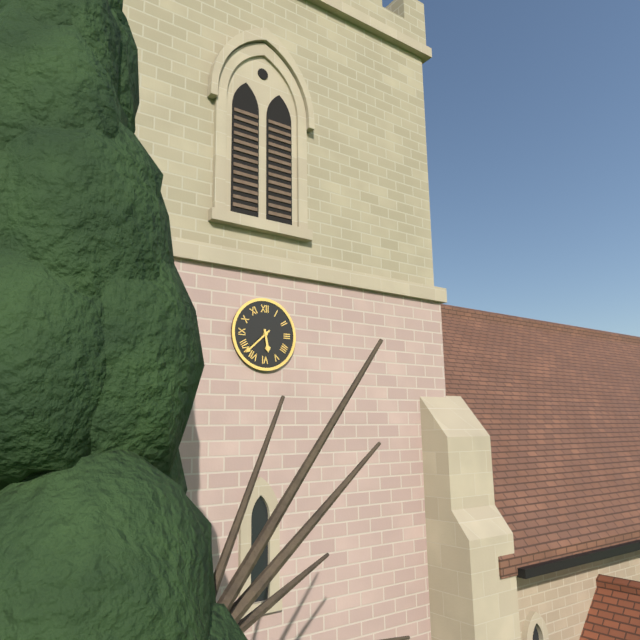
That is 5 h 38 min
